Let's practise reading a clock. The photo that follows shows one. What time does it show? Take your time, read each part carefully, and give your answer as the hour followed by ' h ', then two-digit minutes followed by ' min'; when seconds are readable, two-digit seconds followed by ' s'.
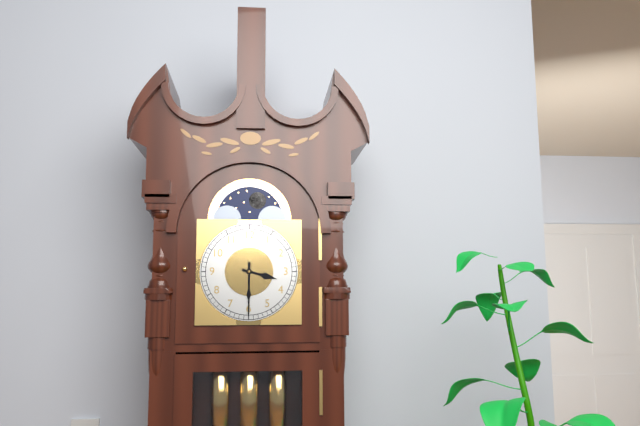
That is 3 h 30 min
